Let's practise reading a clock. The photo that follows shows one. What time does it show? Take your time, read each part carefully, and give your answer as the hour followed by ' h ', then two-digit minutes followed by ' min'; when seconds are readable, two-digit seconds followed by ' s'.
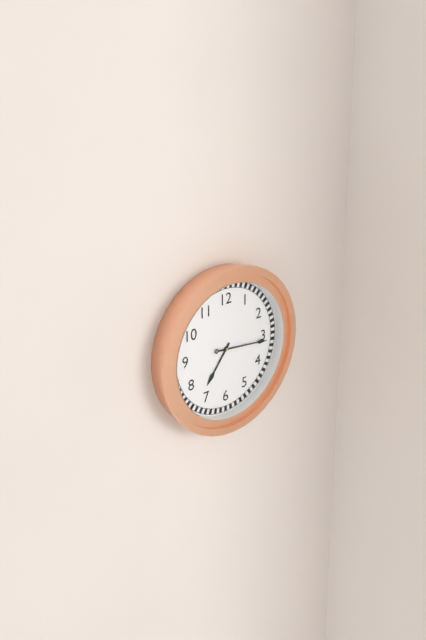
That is 7 h 16 min
